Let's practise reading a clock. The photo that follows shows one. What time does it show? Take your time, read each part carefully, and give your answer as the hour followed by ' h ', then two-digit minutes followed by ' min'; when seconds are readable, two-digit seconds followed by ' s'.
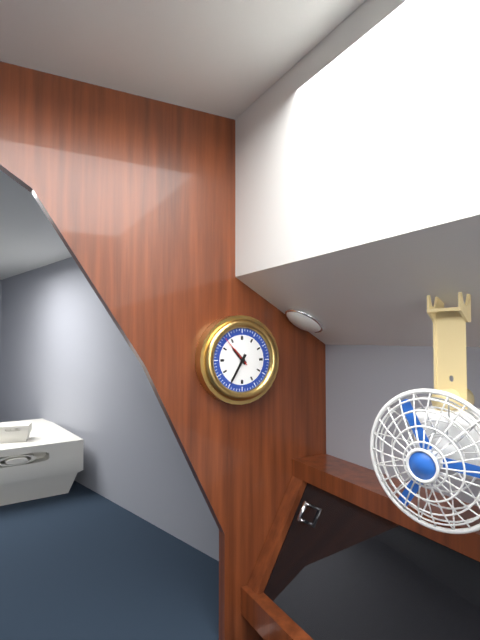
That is 10 h 35 min
